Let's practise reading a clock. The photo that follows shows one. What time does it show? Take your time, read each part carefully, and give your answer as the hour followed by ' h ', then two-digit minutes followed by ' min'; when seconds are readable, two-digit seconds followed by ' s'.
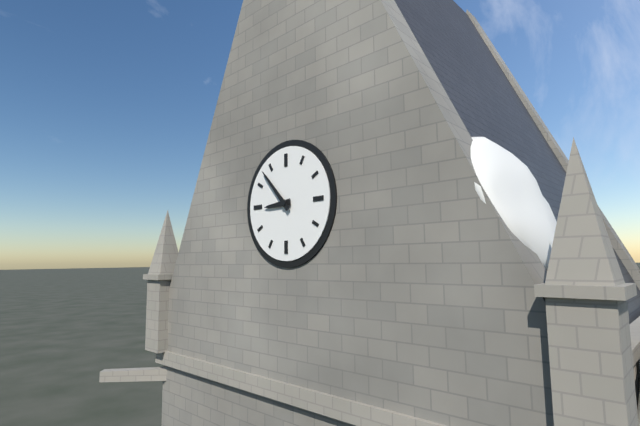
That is 8 h 53 min
